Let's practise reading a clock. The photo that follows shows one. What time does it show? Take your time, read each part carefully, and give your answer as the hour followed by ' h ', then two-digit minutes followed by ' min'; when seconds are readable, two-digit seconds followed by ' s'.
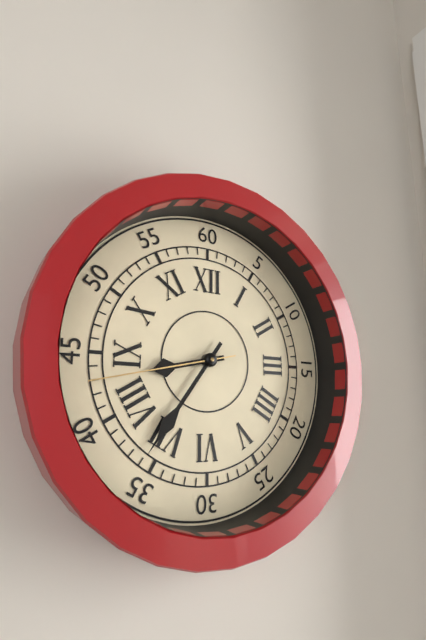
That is 8 h 36 min 43 s
